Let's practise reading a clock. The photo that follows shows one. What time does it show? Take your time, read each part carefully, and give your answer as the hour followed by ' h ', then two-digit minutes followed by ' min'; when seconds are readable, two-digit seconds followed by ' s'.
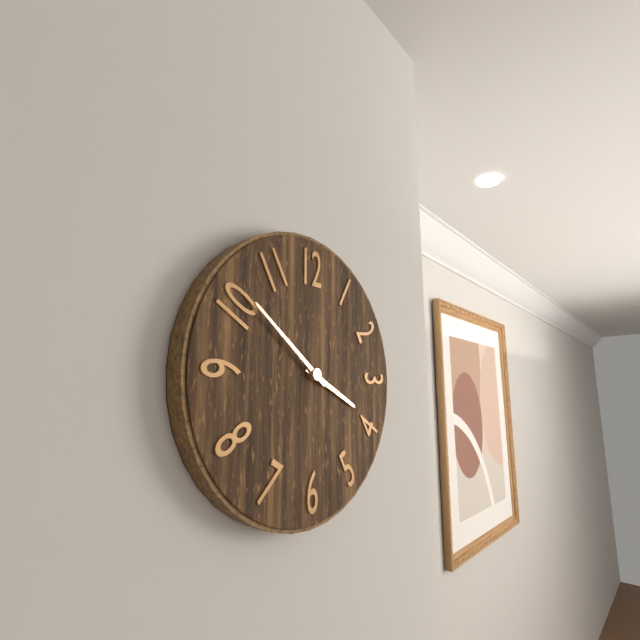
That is 3 h 51 min
